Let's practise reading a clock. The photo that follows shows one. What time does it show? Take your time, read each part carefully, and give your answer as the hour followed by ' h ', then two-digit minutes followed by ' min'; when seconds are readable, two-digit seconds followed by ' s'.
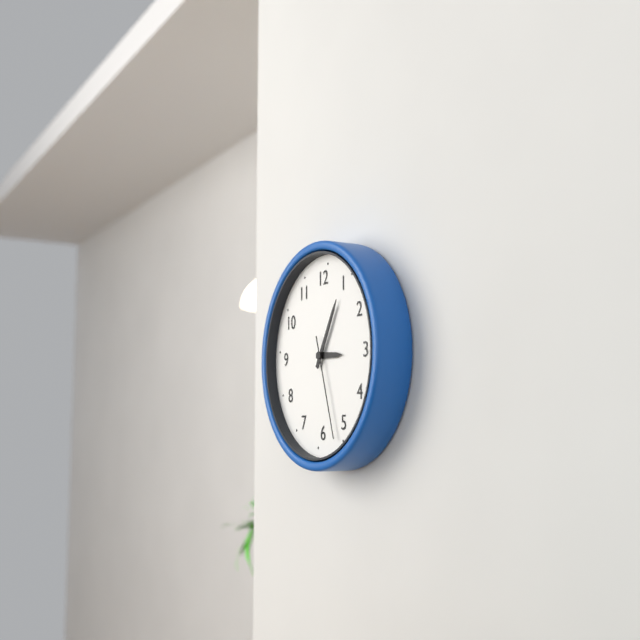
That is 3 h 05 min 27 s
